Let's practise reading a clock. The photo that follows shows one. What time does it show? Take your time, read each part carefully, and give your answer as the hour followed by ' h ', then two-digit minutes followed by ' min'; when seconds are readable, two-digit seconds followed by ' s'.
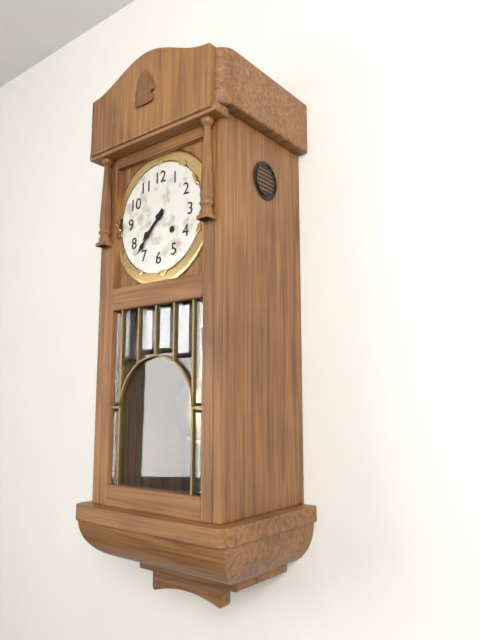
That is 7 h 37 min
